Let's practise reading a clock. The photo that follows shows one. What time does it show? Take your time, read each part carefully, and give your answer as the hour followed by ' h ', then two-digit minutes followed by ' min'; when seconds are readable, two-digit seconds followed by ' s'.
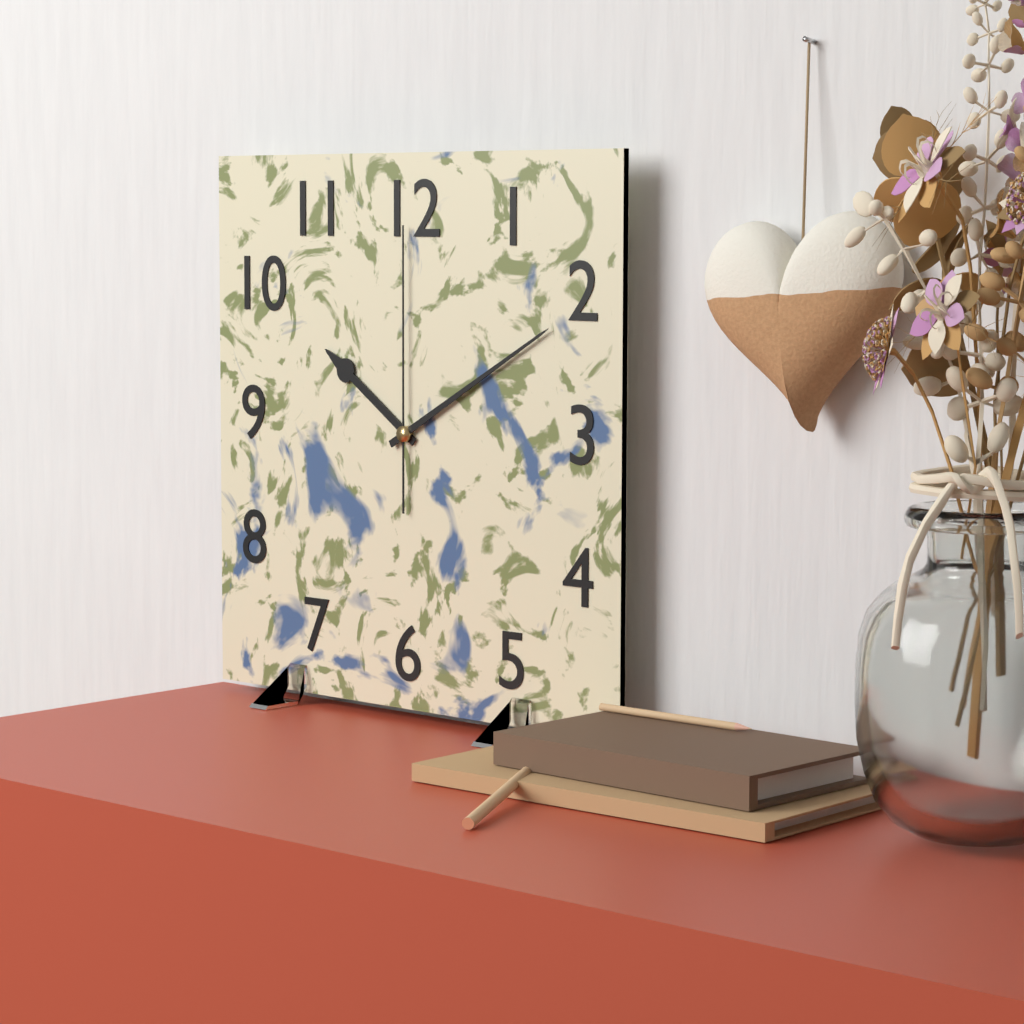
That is 10 h 10 min 00 s
